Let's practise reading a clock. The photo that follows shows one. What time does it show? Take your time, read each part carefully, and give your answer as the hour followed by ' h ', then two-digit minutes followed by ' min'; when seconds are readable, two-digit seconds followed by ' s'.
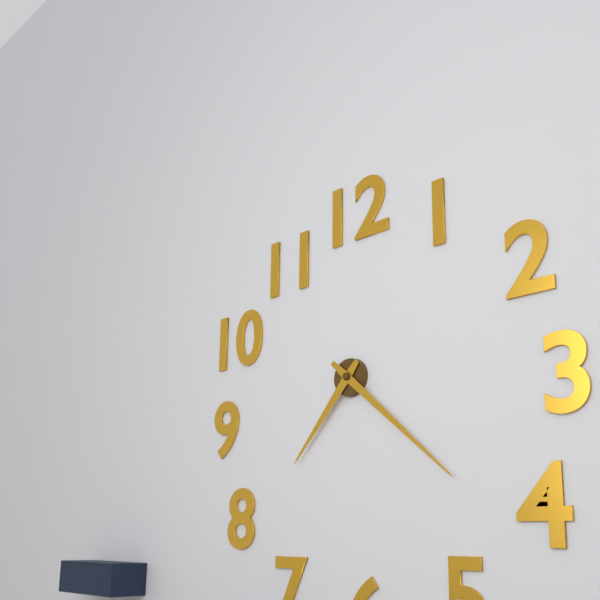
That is 7 h 22 min
